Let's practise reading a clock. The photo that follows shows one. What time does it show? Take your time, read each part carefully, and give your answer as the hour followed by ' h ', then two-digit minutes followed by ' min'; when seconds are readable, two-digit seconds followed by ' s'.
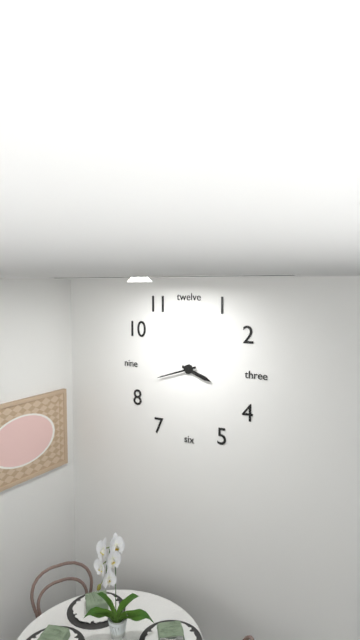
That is 3 h 42 min
